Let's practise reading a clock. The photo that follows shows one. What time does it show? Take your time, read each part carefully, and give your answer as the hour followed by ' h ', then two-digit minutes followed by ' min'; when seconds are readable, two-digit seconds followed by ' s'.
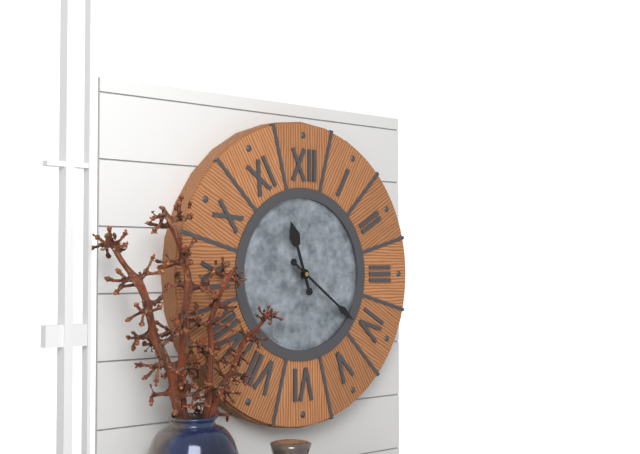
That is 11 h 21 min
